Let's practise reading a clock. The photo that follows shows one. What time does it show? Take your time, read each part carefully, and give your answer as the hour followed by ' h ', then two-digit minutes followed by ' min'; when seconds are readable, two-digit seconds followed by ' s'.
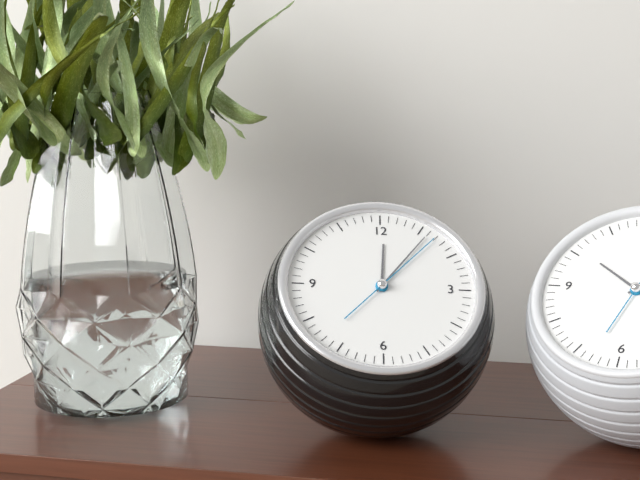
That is 12 h 06 min 07 s
